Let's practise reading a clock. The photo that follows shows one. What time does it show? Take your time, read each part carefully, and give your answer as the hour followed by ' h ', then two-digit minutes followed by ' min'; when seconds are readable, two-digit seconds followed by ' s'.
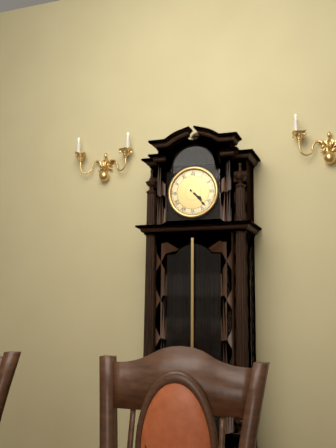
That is 4 h 23 min
